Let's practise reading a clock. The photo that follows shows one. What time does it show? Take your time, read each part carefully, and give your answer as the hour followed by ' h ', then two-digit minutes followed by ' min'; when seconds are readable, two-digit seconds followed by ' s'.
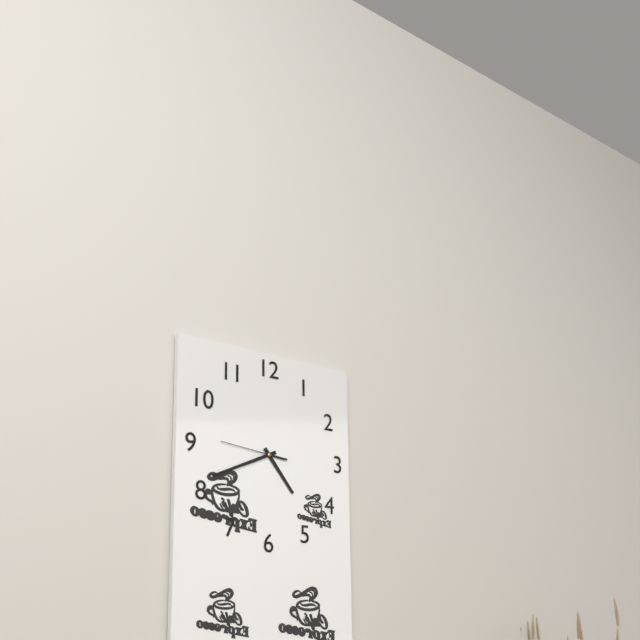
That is 4 h 41 min 46 s
